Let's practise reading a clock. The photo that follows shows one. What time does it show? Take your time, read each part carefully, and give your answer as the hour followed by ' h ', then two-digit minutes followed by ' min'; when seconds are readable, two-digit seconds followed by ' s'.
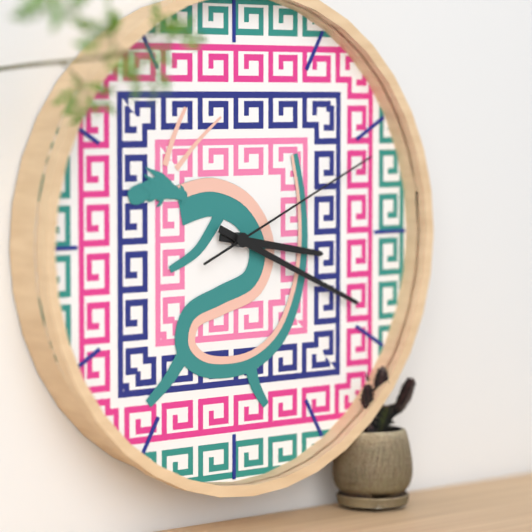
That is 3 h 19 min 11 s
